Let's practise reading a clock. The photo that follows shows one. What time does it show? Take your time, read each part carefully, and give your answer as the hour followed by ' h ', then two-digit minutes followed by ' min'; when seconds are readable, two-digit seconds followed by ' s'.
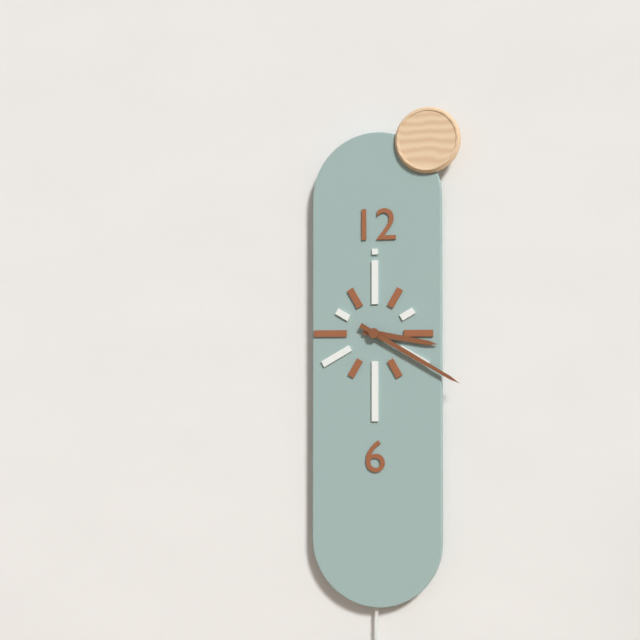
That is 3 h 20 min
